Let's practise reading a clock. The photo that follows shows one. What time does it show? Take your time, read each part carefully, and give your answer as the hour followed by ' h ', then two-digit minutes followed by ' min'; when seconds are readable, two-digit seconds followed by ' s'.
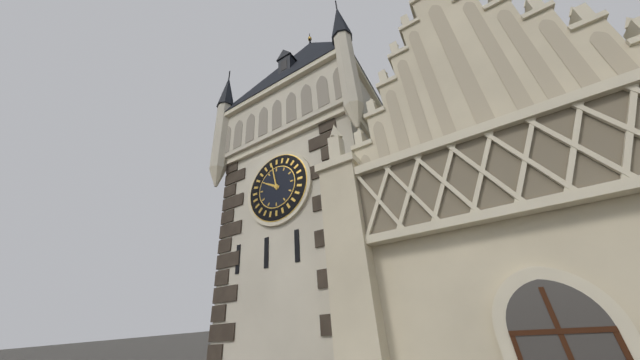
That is 9 h 58 min
